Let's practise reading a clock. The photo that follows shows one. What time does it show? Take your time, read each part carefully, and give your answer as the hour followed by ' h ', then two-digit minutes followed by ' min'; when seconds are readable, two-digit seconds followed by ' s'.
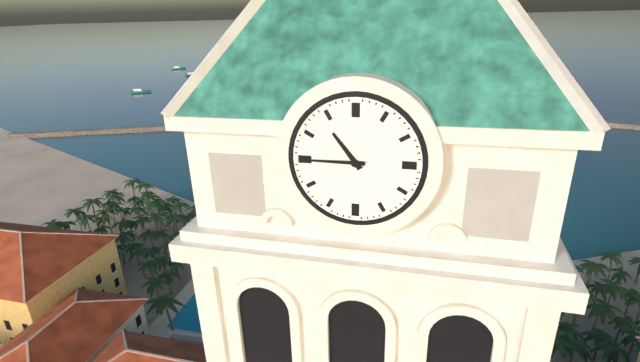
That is 10 h 45 min
